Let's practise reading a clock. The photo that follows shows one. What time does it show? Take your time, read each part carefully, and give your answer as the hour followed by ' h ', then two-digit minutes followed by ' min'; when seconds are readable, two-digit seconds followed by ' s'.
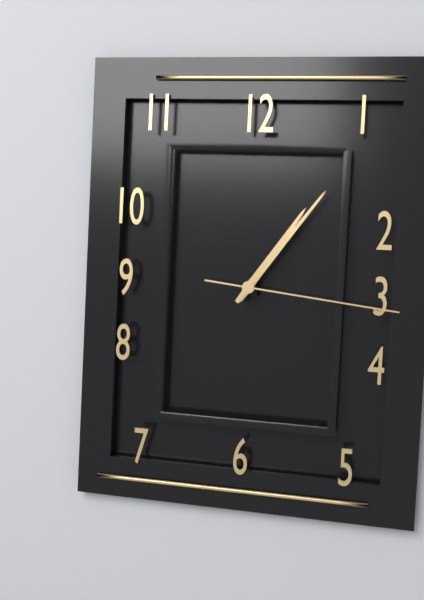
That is 1 h 06 min 16 s
